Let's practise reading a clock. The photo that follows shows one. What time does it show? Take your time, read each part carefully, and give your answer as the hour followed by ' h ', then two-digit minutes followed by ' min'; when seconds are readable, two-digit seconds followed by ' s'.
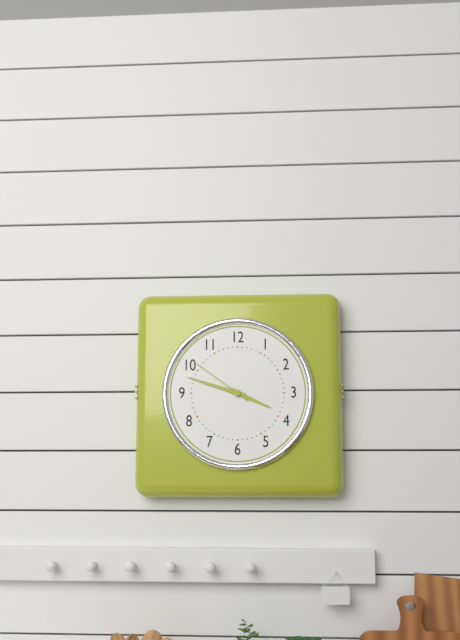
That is 3 h 48 min 51 s
